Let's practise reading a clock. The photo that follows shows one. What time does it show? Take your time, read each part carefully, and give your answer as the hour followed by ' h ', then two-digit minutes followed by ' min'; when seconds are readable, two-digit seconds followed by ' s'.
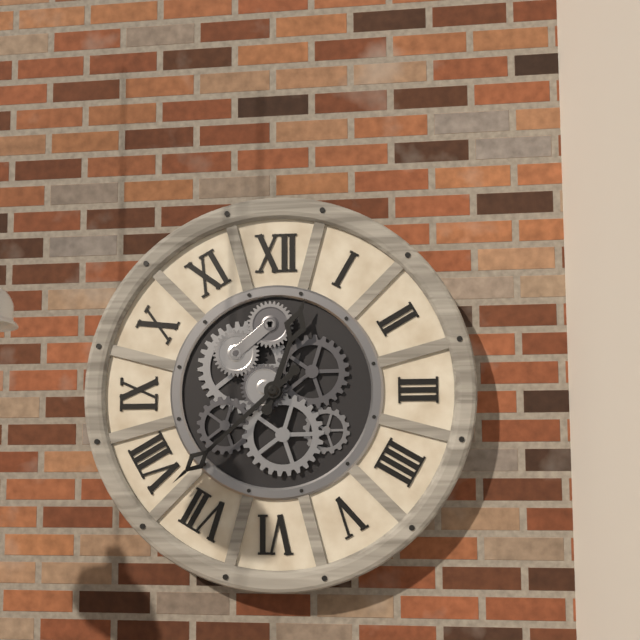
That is 12 h 38 min
